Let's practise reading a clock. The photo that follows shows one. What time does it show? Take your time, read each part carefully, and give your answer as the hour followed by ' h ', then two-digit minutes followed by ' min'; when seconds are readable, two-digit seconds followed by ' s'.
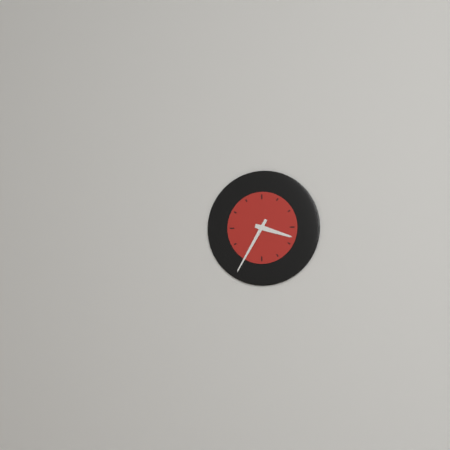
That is 3 h 35 min
